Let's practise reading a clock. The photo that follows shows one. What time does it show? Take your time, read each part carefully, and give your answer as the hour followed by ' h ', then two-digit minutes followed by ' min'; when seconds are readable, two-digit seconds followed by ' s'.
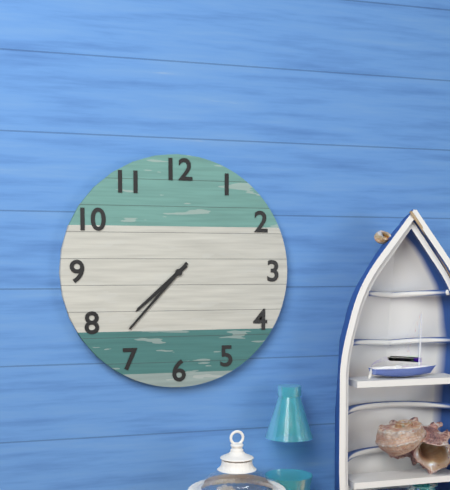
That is 7 h 37 min
